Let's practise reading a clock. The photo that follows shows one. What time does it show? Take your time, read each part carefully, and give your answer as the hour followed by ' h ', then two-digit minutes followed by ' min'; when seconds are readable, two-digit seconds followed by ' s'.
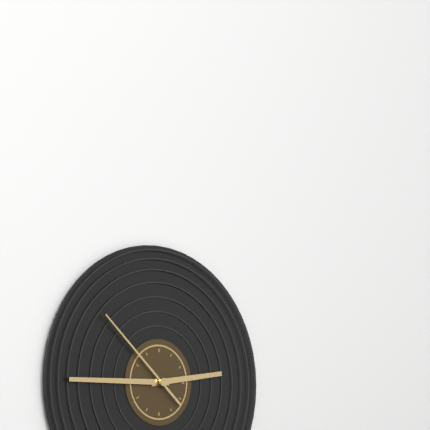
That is 2 h 45 min 52 s
